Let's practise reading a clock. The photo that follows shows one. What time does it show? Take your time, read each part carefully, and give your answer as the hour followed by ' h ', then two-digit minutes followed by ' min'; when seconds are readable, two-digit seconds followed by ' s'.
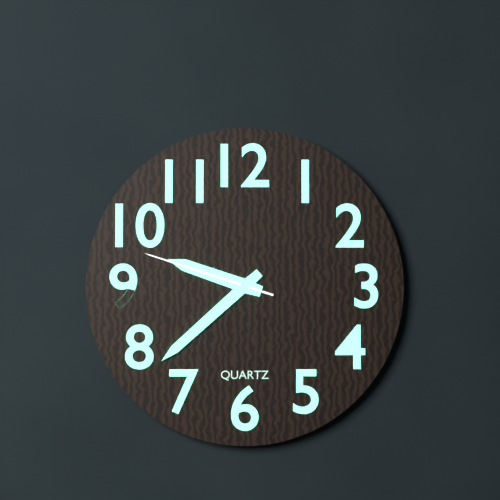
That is 9 h 38 min 48 s
